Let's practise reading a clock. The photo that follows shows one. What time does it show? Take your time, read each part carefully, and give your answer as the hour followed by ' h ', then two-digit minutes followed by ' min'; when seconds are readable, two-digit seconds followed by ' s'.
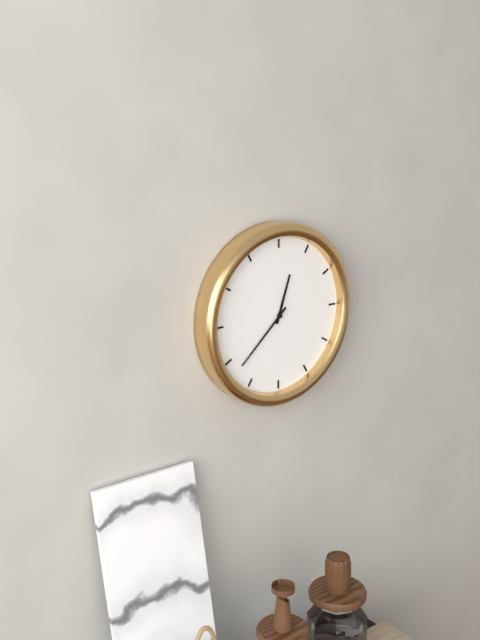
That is 12 h 38 min
